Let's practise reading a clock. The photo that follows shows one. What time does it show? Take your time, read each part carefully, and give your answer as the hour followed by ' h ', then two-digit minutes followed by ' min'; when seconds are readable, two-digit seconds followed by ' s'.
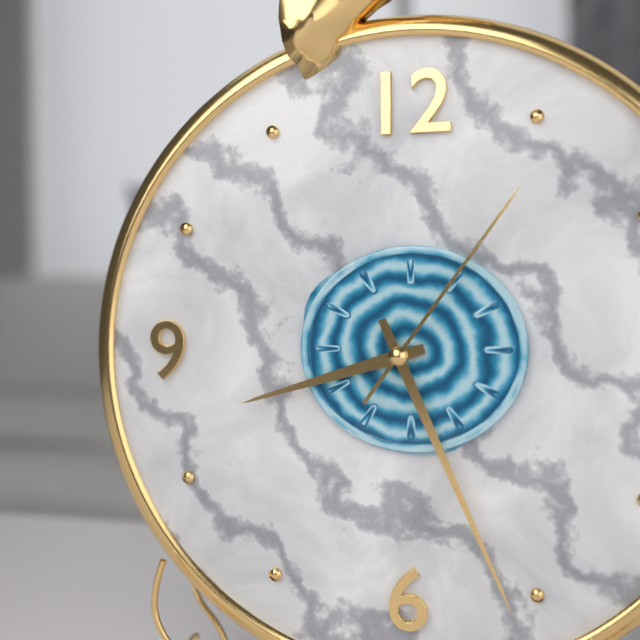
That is 8 h 26 min 06 s
